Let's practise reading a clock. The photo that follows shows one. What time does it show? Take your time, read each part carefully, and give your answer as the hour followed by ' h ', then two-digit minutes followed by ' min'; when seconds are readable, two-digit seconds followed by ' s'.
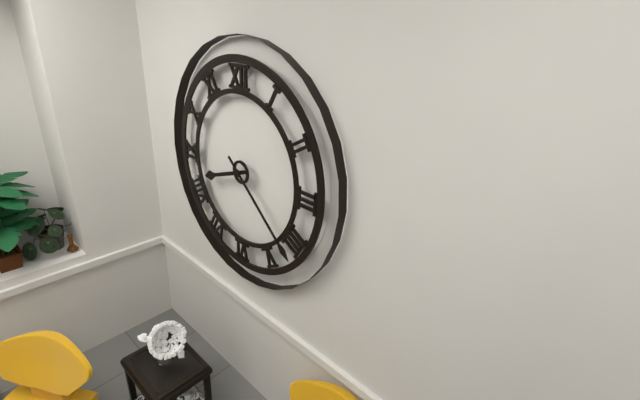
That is 8 h 22 min
